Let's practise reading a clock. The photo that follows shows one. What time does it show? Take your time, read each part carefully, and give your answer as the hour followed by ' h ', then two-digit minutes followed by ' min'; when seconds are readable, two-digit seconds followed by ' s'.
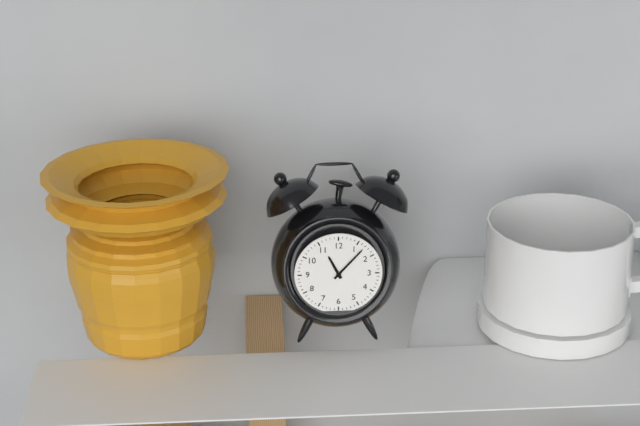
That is 11 h 07 min
